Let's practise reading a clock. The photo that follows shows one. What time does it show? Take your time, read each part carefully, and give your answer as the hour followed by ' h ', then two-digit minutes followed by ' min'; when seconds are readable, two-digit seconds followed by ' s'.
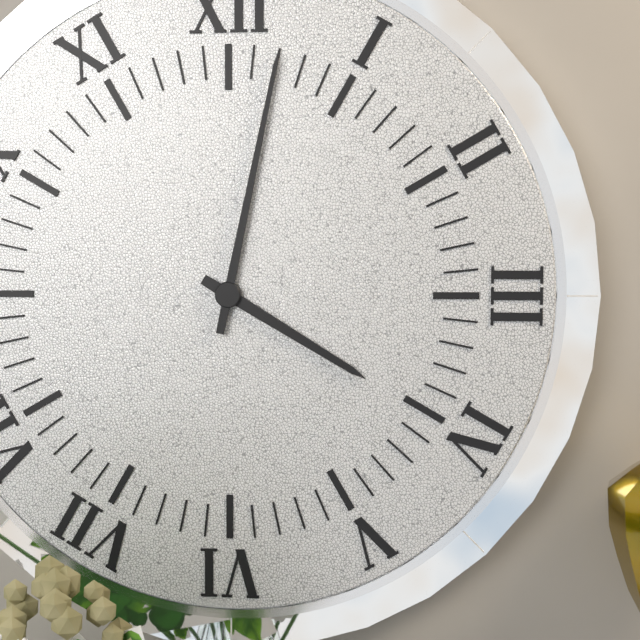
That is 4 h 02 min
